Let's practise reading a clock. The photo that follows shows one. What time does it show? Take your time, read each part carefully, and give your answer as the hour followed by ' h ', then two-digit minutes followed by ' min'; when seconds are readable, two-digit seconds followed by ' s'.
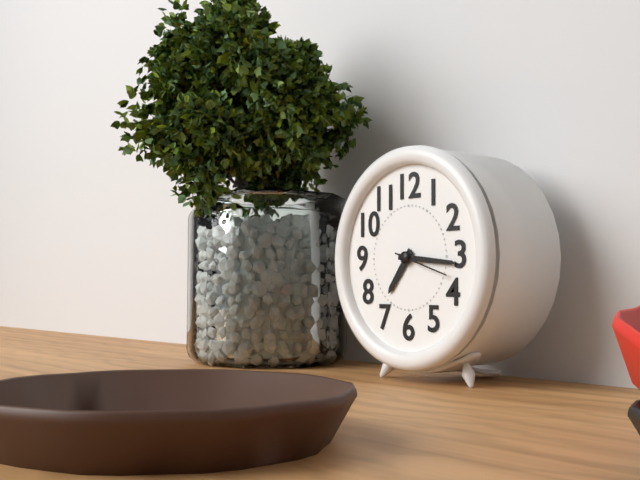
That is 7 h 16 min 18 s
